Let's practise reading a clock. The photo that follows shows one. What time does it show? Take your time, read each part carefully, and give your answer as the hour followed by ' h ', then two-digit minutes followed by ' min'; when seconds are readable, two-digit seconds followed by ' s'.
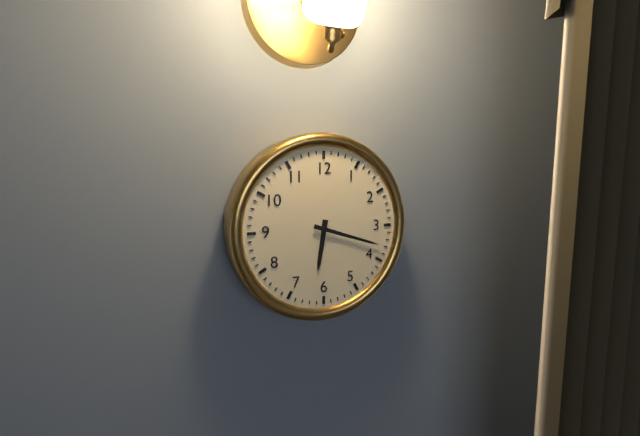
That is 6 h 18 min
